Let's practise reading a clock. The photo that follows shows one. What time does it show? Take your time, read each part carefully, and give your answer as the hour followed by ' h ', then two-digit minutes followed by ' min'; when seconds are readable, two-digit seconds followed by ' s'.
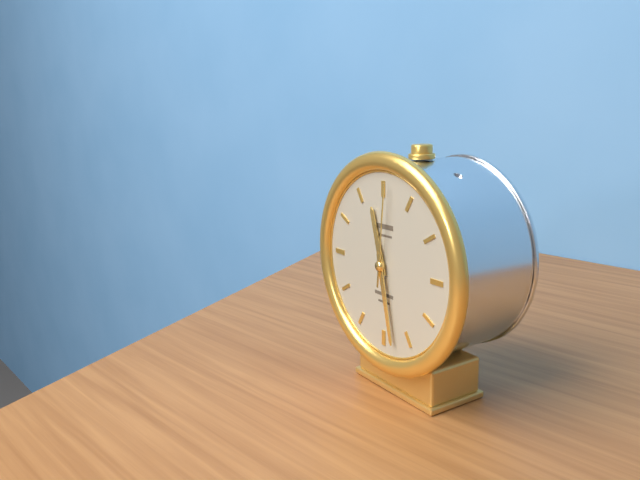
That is 11 h 28 min 01 s
